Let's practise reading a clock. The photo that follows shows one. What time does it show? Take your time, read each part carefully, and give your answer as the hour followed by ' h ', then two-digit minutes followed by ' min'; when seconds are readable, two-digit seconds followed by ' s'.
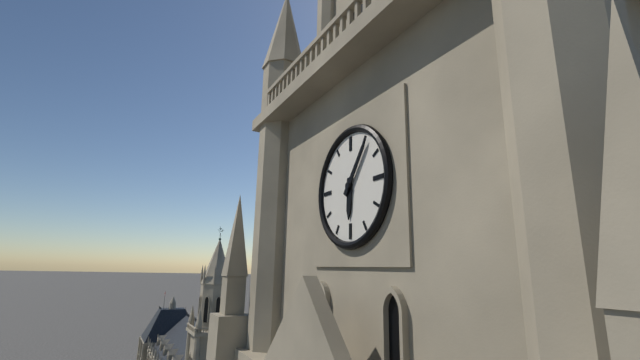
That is 6 h 06 min
